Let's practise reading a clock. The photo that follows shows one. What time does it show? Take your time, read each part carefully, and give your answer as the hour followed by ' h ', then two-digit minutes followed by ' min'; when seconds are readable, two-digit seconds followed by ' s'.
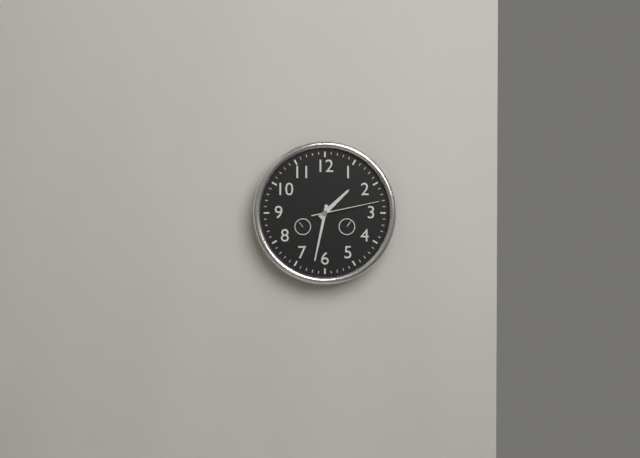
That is 1 h 32 min 13 s
